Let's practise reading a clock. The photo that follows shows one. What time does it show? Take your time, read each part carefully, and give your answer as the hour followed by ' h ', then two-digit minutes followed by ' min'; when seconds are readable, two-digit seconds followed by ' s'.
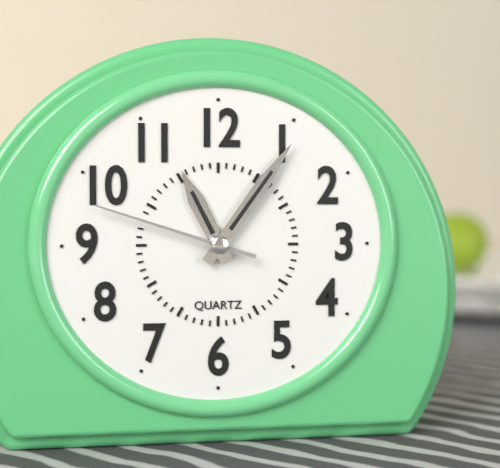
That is 11 h 06 min 48 s
